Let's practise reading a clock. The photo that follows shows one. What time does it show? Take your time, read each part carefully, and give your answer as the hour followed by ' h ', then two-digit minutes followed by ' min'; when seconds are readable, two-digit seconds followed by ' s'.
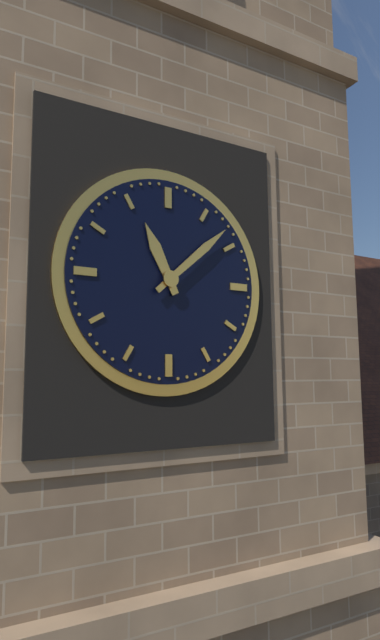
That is 11 h 08 min
